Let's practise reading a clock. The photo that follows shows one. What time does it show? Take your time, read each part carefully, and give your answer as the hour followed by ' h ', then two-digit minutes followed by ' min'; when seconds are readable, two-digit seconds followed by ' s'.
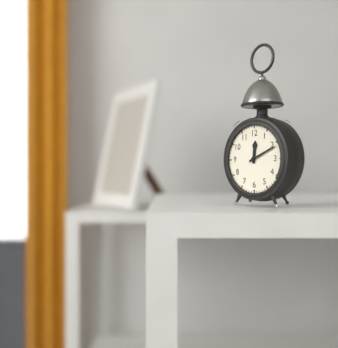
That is 12 h 11 min
